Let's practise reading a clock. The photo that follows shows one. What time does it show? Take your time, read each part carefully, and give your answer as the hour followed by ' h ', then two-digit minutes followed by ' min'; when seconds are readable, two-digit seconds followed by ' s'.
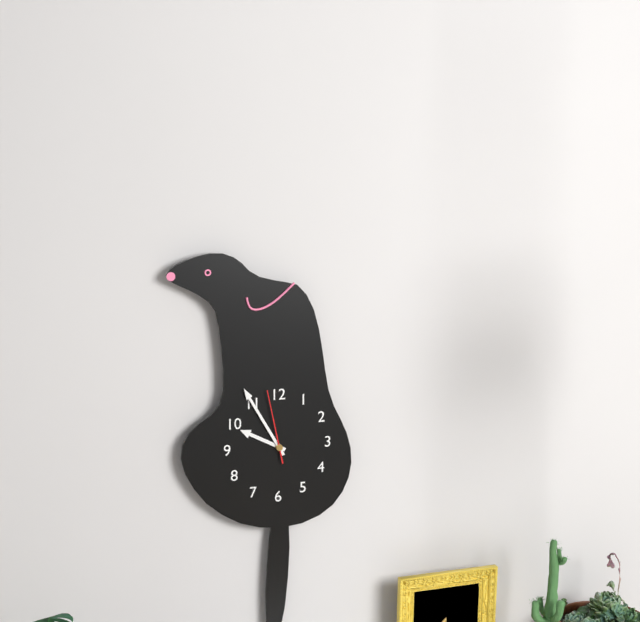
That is 9 h 55 min 58 s
